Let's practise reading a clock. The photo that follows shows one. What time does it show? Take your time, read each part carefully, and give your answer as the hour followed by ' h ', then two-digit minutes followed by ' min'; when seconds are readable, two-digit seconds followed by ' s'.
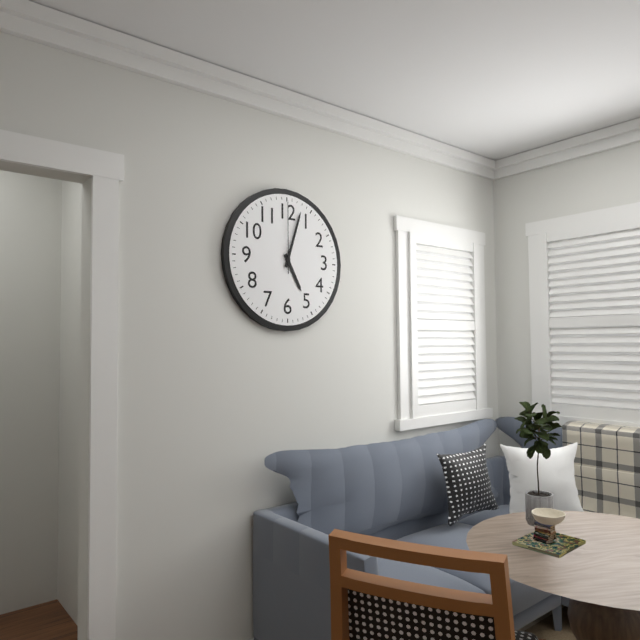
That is 5 h 03 min 00 s
